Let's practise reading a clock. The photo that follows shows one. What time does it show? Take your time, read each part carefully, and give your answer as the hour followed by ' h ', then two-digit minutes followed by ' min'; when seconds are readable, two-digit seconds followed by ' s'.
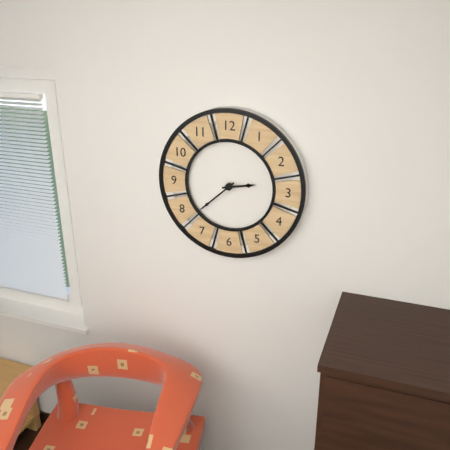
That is 2 h 38 min
